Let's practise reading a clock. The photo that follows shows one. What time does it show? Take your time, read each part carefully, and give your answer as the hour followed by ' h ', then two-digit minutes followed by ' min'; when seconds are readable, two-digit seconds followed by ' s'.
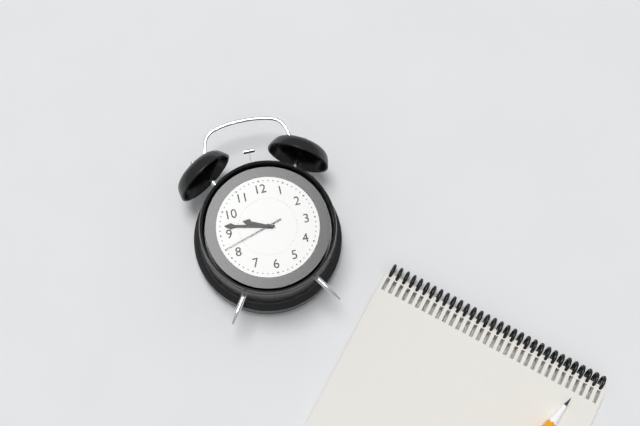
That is 9 h 47 min 42 s
